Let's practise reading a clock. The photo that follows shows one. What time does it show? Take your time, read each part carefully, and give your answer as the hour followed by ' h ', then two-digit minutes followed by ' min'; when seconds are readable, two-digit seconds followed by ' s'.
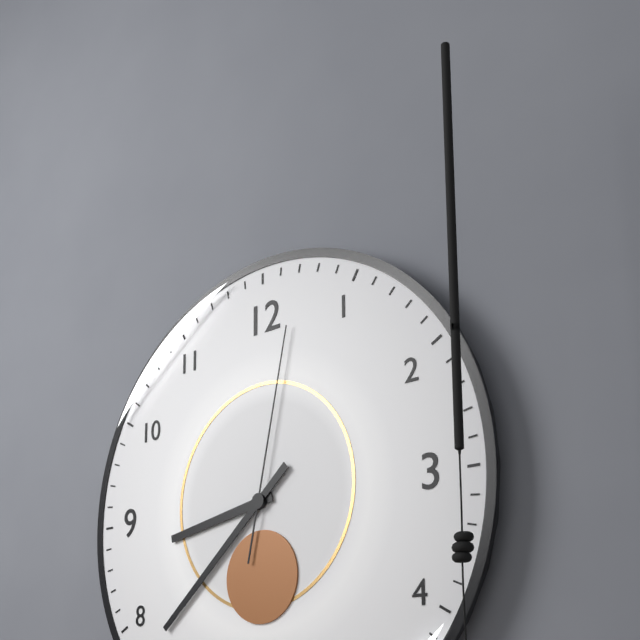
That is 8 h 38 min 02 s
